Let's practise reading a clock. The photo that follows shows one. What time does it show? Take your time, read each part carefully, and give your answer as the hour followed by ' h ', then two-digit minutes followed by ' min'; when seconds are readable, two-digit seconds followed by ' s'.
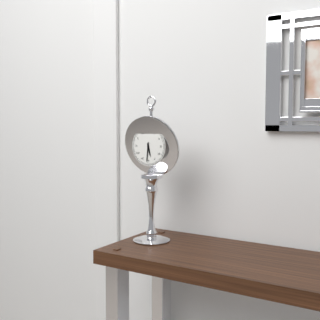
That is 5 h 31 min
